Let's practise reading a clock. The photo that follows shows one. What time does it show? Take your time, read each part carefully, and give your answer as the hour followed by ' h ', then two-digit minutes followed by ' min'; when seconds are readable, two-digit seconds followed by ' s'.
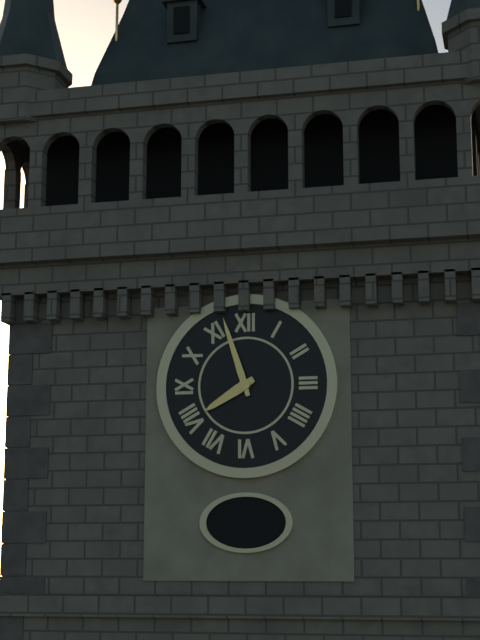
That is 7 h 57 min
